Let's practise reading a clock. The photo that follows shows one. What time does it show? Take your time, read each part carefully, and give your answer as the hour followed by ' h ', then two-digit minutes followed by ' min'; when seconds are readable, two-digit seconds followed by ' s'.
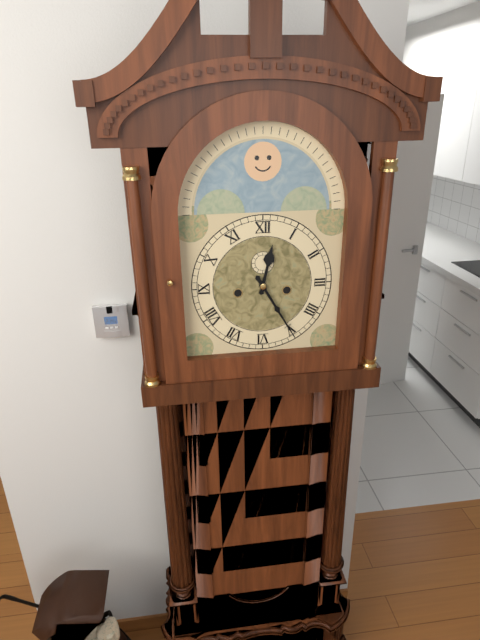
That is 12 h 25 min
